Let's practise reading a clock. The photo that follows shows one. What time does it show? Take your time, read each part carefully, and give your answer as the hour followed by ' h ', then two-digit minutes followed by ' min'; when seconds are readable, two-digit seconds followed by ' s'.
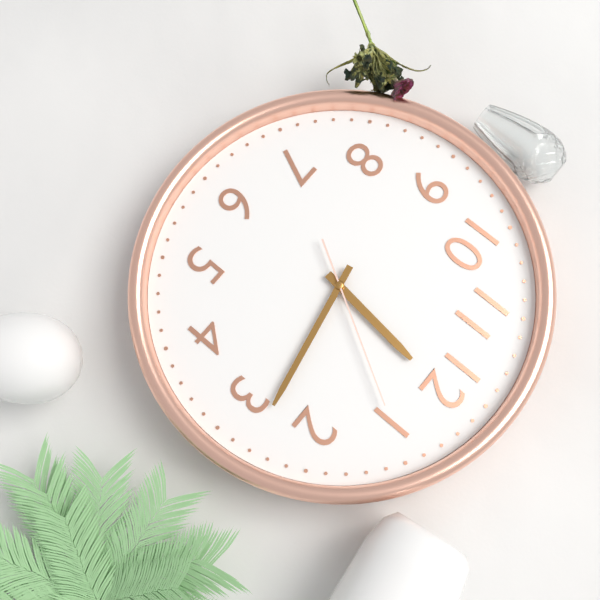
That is 12 h 13 min 05 s
